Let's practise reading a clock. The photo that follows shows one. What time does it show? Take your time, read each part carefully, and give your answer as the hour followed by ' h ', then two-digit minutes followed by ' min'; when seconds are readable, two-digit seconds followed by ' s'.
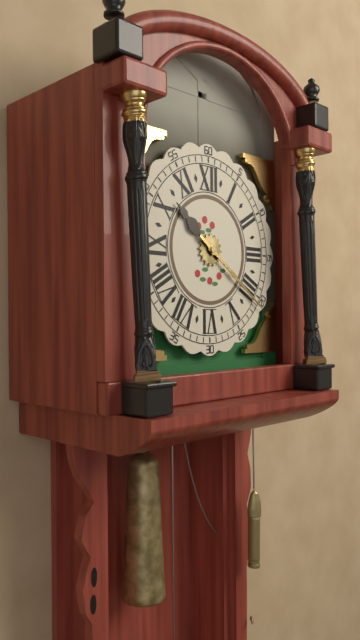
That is 10 h 21 min
